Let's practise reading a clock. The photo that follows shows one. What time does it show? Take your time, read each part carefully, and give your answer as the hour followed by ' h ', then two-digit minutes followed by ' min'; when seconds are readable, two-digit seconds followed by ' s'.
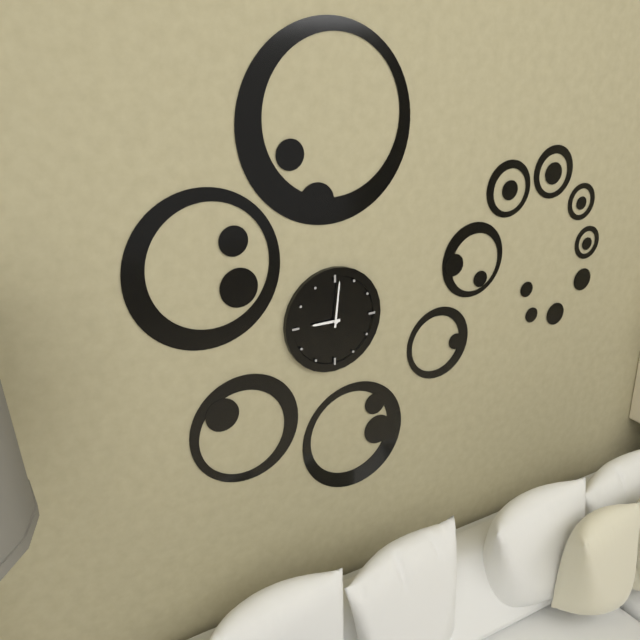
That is 9 h 01 min
